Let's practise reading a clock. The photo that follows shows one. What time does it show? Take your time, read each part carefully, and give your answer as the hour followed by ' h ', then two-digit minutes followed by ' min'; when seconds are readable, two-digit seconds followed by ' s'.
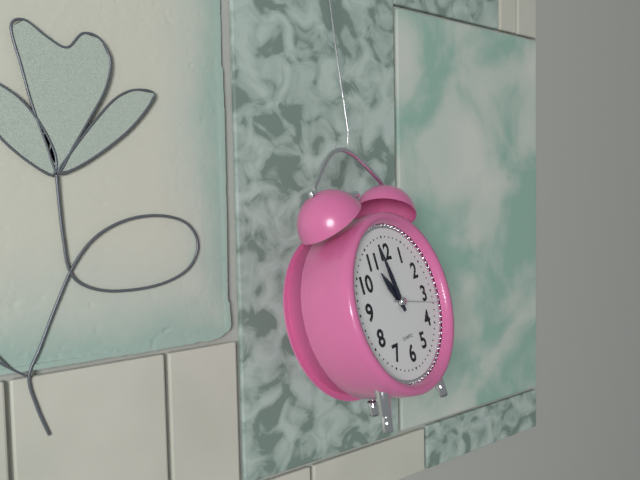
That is 10 h 58 min
